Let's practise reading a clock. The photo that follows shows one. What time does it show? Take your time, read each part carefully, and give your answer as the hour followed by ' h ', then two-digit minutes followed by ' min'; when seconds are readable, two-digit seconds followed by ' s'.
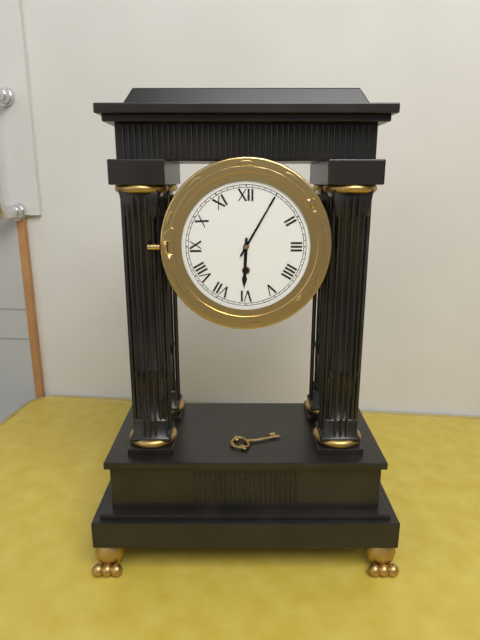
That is 6 h 05 min
